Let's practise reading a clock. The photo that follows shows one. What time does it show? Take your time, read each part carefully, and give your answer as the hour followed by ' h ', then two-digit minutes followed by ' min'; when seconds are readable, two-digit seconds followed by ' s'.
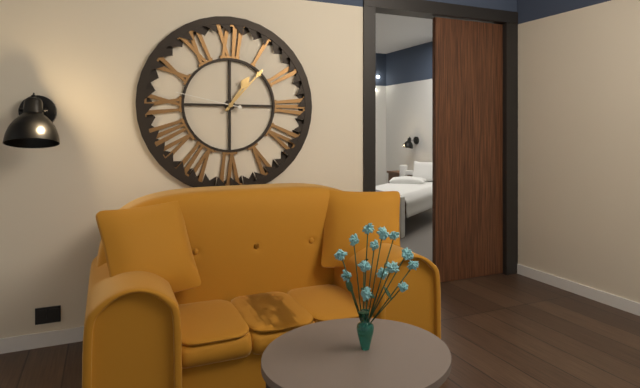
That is 1 h 07 min 47 s
